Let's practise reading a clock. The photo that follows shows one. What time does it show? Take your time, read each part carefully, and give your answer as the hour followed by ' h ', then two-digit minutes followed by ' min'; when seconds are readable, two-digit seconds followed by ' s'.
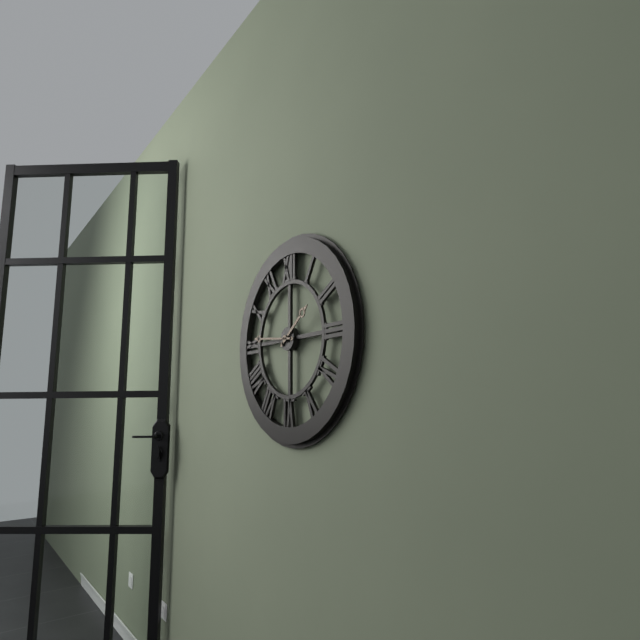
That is 1 h 46 min
